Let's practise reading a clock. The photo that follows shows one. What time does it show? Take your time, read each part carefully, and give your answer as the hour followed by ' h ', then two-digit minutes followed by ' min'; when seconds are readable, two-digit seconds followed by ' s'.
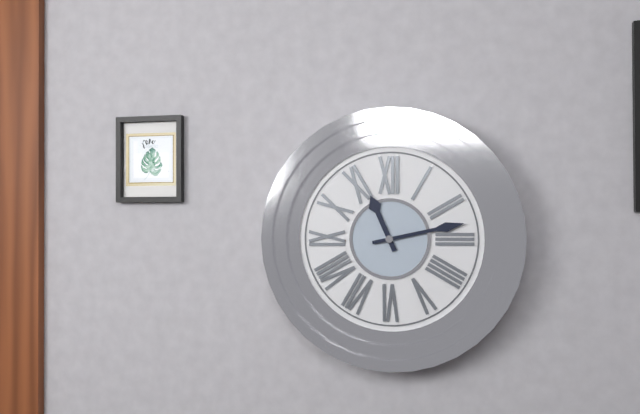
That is 11 h 13 min
